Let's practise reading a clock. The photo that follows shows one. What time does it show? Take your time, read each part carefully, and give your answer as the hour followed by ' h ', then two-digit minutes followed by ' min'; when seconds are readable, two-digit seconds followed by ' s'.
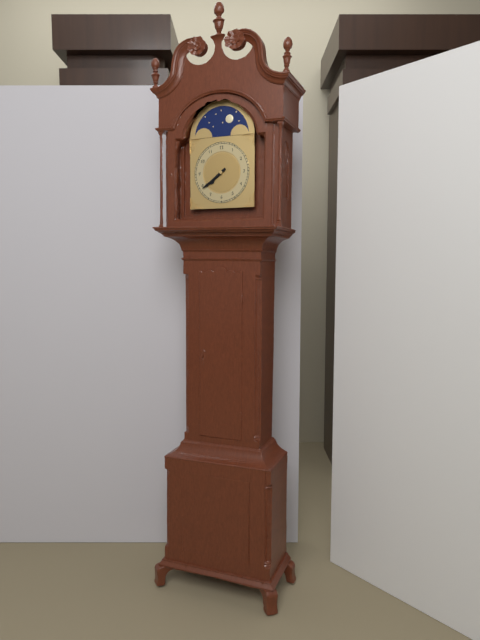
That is 7 h 39 min
